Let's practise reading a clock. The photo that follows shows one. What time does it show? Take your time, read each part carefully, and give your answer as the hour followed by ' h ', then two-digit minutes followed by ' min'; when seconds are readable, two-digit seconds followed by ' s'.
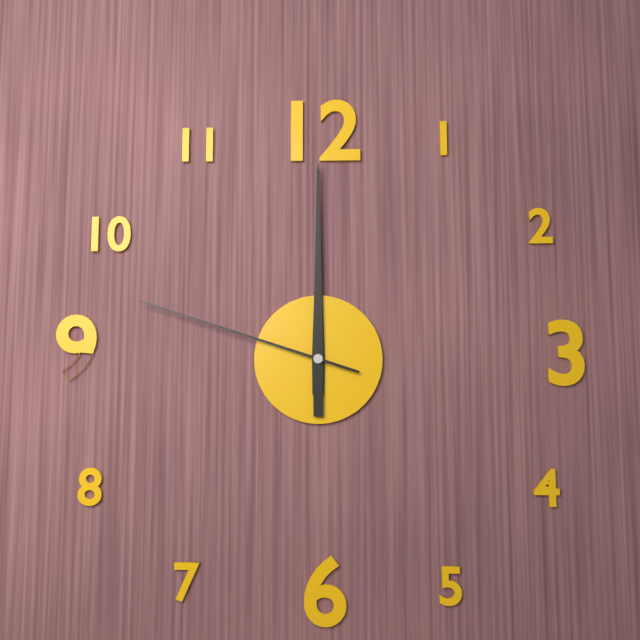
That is 12 h 00 min 48 s
